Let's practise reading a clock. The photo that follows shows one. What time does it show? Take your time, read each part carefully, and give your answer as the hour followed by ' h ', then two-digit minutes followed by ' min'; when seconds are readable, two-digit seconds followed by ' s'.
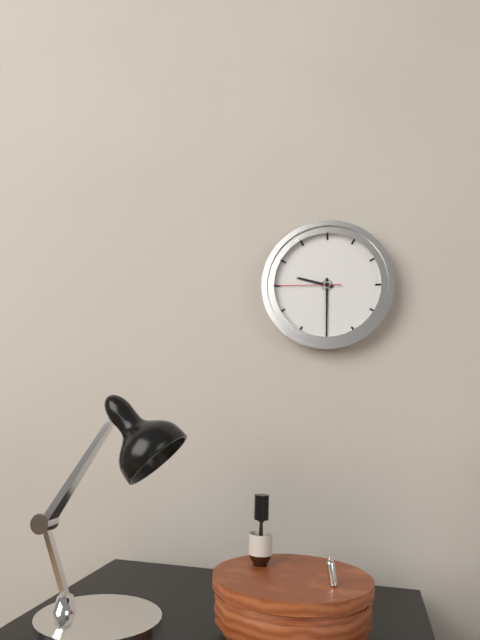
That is 9 h 30 min 45 s
